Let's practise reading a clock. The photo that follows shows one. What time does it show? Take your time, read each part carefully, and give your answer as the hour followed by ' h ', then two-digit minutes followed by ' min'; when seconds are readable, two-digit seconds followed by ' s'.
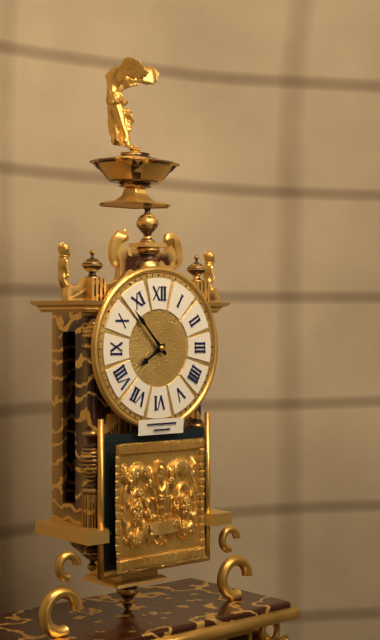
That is 7 h 53 min
